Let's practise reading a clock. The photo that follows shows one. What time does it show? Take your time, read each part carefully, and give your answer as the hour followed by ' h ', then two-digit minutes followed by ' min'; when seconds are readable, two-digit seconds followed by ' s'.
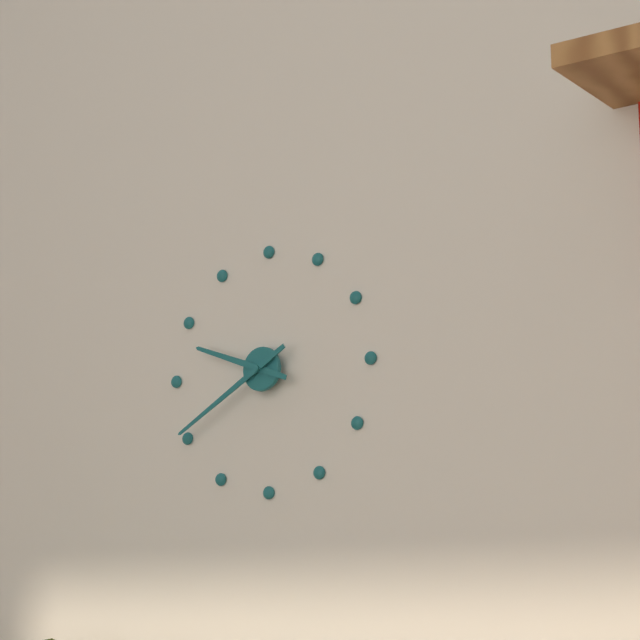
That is 9 h 40 min
